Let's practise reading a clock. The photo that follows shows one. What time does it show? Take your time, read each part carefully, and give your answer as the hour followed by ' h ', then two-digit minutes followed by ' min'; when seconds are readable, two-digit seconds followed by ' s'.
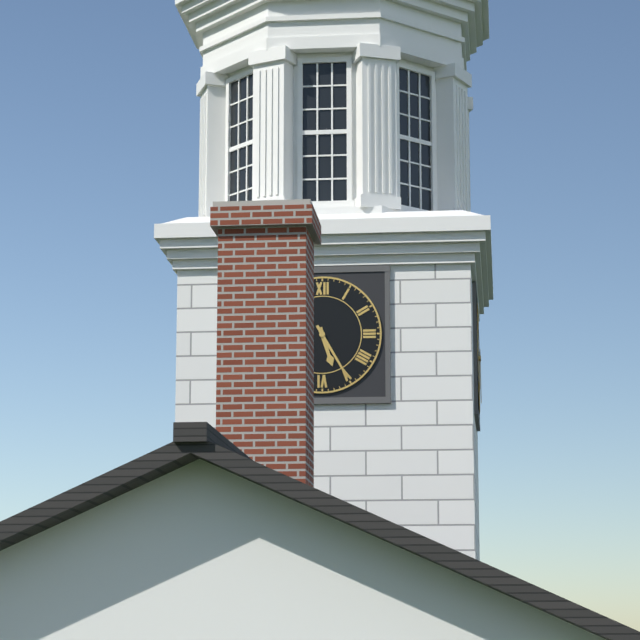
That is 5 h 25 min
